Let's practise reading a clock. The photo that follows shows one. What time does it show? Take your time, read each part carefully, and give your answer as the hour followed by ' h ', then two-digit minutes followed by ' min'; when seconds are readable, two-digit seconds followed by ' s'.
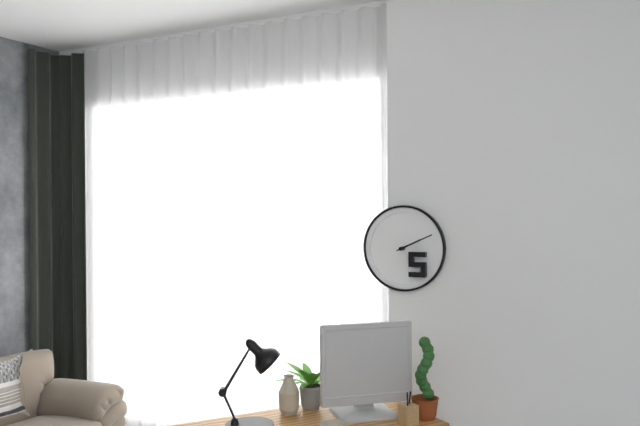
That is 2 h 11 min
